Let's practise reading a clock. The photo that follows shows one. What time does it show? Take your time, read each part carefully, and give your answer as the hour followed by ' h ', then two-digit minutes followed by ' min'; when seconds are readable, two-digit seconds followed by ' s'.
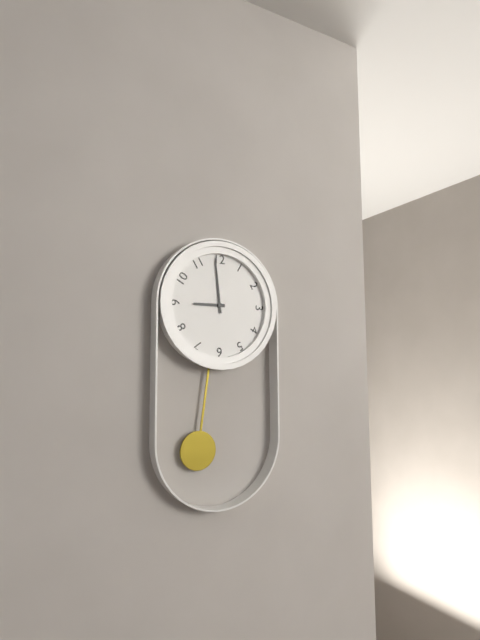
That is 8 h 59 min
